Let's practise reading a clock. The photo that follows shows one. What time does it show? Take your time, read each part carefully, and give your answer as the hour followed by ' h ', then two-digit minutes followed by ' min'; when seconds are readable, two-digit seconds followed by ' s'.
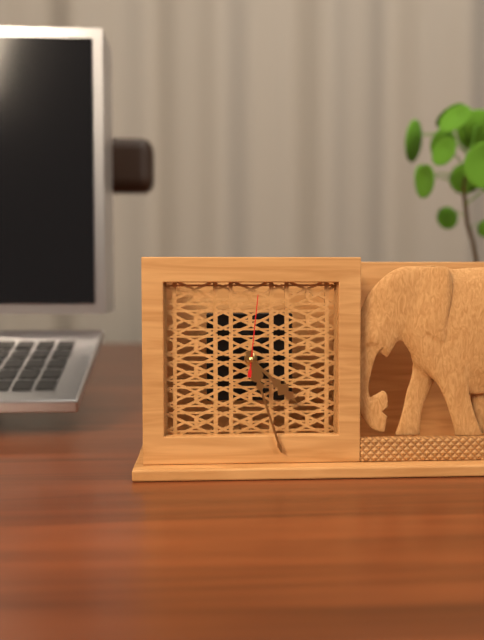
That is 4 h 27 min 01 s
